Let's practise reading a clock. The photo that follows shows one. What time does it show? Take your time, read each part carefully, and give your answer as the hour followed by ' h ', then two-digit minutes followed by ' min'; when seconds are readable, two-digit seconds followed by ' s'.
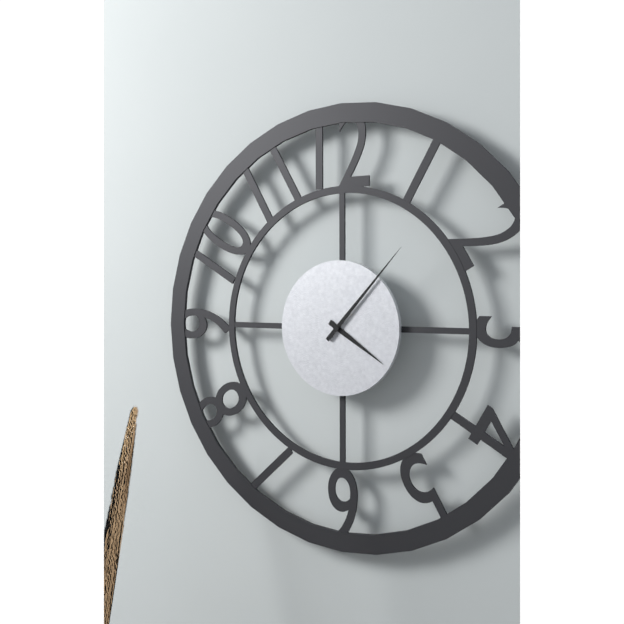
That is 4 h 07 min
